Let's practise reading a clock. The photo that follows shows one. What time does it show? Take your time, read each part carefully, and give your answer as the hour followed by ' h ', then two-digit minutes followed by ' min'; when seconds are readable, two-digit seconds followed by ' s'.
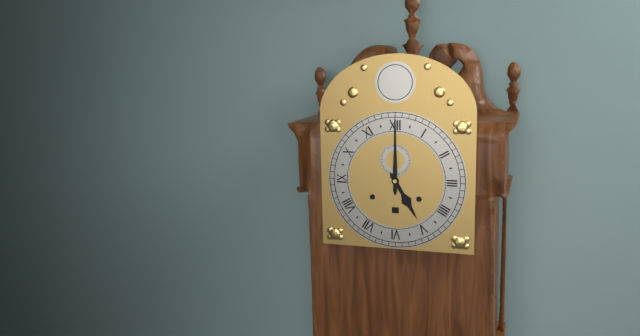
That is 5 h 00 min
